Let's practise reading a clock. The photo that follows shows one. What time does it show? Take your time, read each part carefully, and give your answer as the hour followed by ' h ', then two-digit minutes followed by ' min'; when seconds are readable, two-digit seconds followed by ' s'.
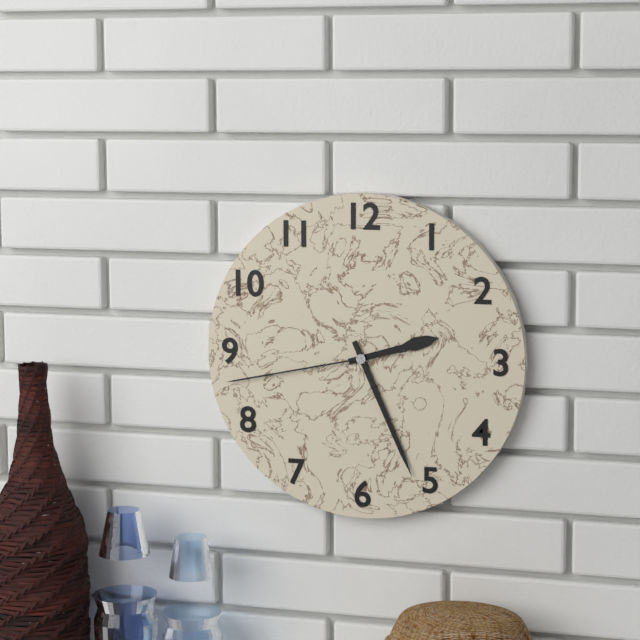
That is 2 h 26 min 43 s
